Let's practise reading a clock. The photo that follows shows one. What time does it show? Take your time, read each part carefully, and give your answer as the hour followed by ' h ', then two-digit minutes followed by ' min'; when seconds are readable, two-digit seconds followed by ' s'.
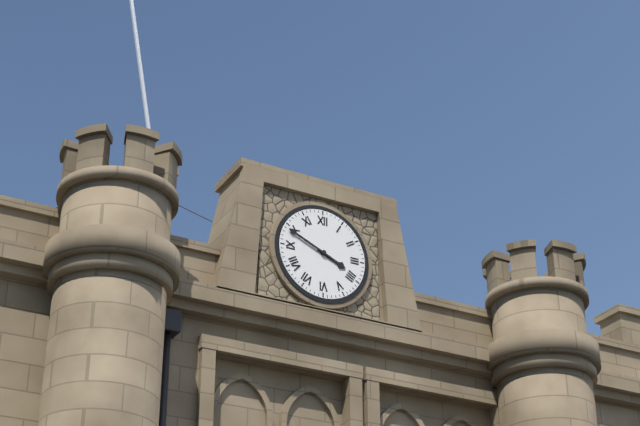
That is 3 h 49 min
